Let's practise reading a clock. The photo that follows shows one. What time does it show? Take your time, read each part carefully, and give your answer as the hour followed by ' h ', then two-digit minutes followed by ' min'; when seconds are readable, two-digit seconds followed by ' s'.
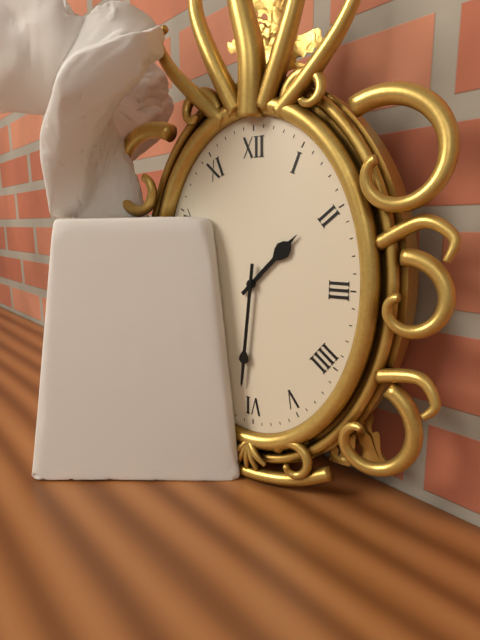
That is 1 h 31 min
